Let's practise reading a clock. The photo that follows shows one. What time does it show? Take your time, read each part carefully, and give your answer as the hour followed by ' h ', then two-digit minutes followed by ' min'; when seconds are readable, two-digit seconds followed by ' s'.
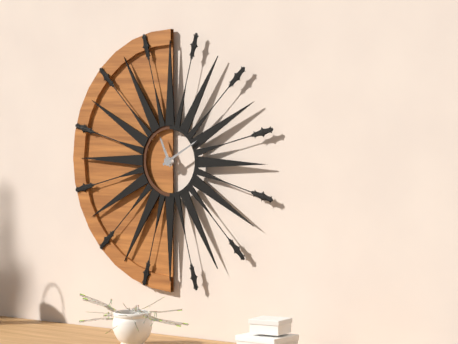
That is 11 h 10 min
